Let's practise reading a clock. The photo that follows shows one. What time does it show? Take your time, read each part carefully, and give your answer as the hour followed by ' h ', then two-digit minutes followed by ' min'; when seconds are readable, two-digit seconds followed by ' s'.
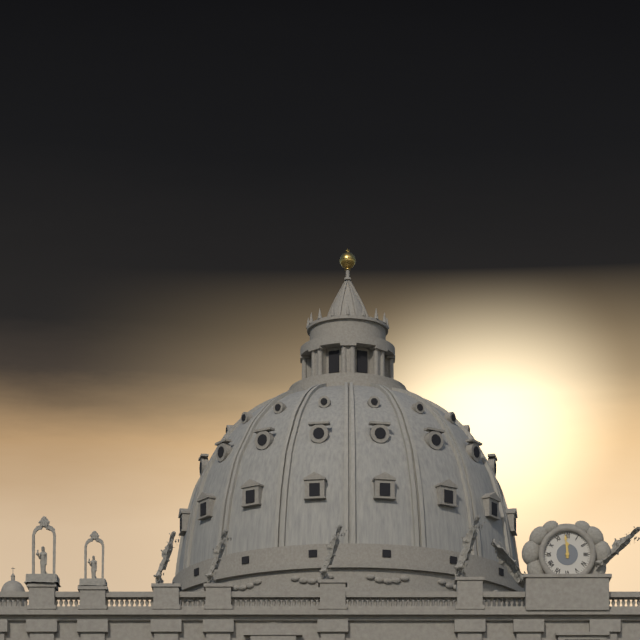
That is 11 h 59 min
